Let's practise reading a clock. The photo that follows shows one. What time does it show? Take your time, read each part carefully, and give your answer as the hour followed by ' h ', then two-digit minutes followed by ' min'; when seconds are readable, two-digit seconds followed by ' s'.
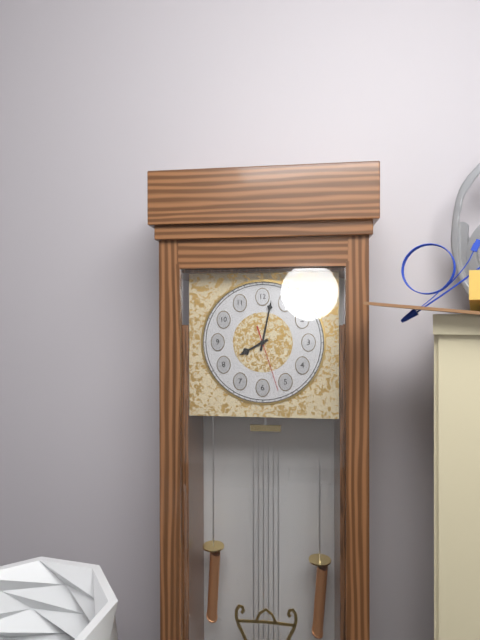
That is 8 h 02 min 27 s
